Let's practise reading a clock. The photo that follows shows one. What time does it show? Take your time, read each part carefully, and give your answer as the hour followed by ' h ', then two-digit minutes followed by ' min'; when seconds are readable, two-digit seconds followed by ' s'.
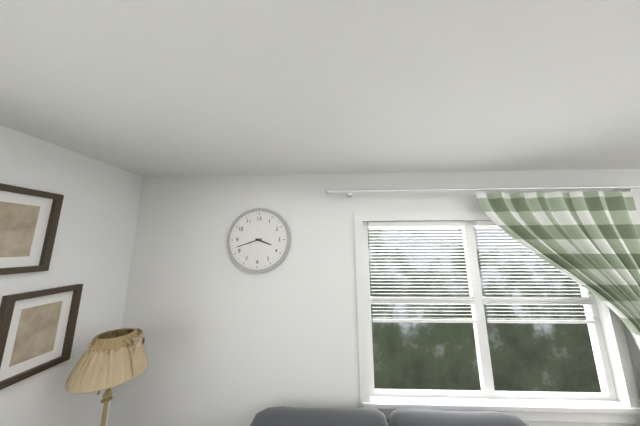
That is 3 h 42 min
